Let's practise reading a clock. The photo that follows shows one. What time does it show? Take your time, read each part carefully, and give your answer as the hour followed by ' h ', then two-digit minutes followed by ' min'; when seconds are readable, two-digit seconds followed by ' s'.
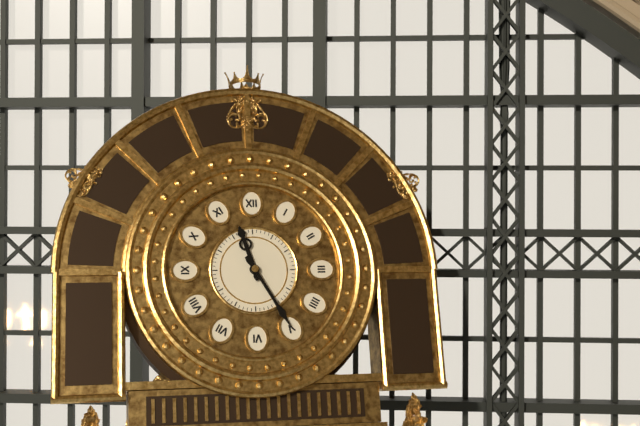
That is 11 h 25 min
